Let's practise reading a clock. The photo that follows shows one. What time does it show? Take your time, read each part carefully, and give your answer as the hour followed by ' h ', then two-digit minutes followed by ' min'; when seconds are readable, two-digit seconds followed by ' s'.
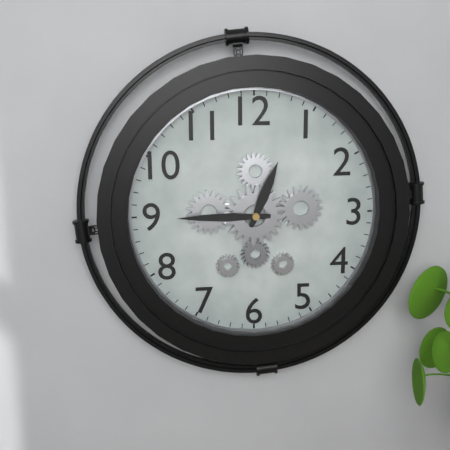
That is 12 h 45 min
